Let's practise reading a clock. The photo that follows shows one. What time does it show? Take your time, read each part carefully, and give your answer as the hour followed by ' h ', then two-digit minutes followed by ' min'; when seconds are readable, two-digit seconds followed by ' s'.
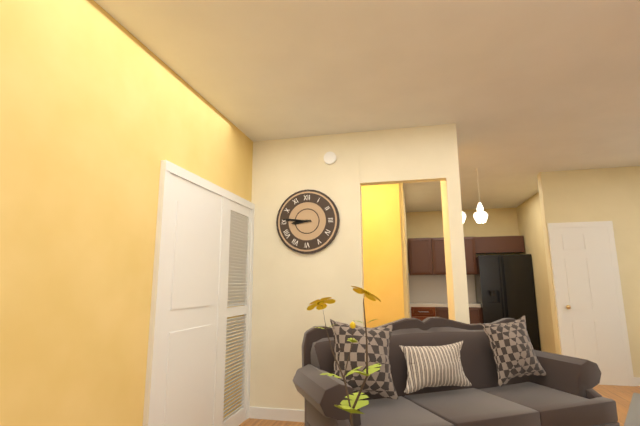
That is 8 h 46 min
